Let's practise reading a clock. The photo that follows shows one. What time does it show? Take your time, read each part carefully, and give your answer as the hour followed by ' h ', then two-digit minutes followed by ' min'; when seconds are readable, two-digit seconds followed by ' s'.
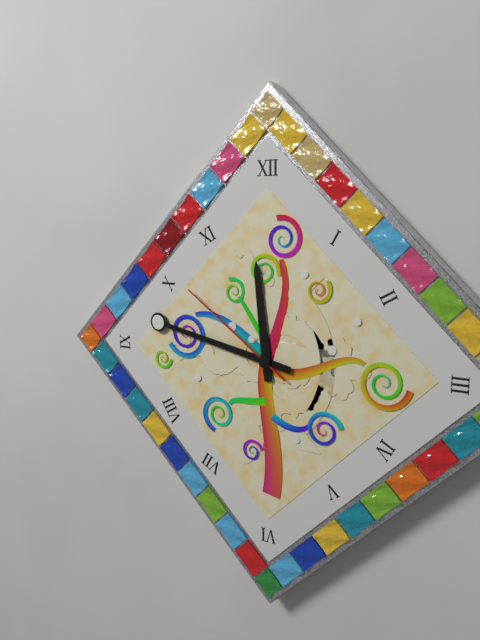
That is 11 h 47 min 51 s
